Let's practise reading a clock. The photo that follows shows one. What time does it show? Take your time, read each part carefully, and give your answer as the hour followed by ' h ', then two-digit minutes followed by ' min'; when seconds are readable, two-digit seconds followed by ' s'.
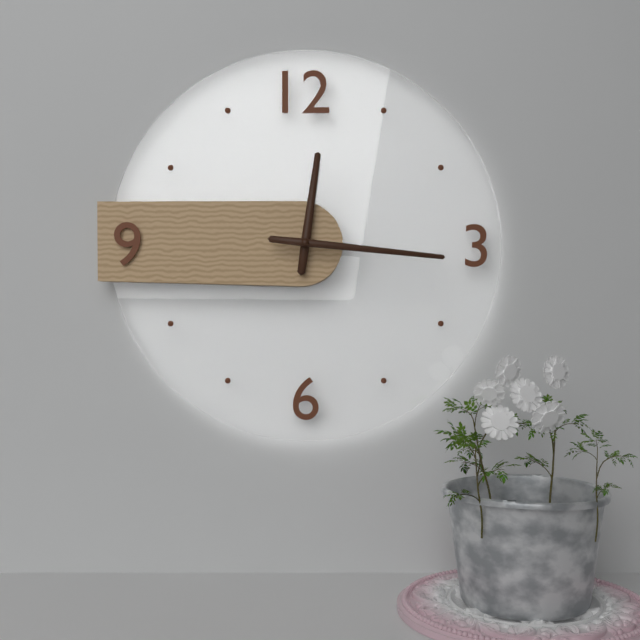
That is 12 h 16 min
